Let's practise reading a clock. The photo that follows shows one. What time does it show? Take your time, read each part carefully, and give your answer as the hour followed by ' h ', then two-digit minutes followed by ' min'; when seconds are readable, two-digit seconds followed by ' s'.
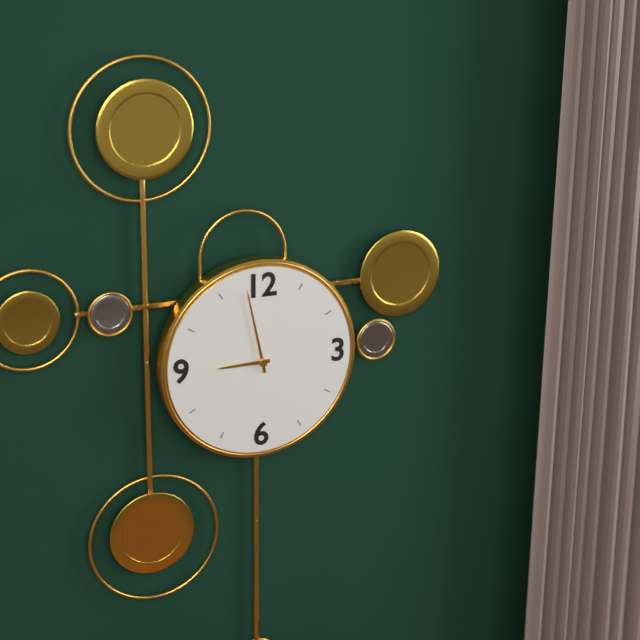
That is 8 h 58 min
